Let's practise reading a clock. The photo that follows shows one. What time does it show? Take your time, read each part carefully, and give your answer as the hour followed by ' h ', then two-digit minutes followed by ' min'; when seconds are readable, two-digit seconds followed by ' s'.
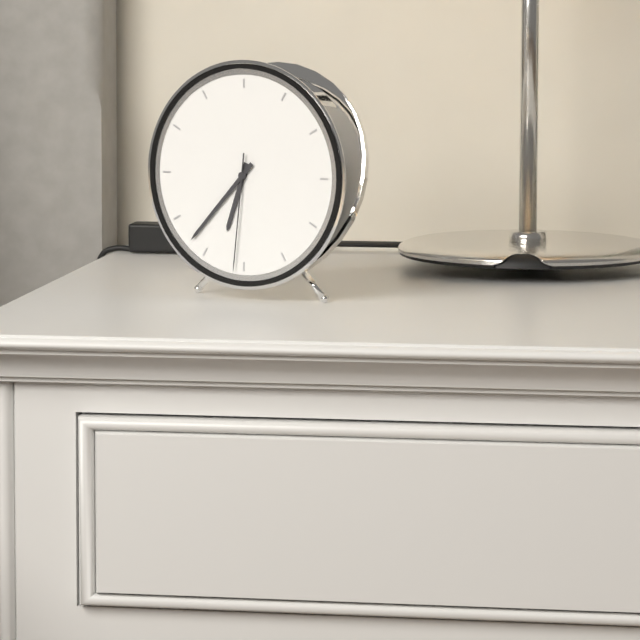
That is 6 h 37 min 31 s
